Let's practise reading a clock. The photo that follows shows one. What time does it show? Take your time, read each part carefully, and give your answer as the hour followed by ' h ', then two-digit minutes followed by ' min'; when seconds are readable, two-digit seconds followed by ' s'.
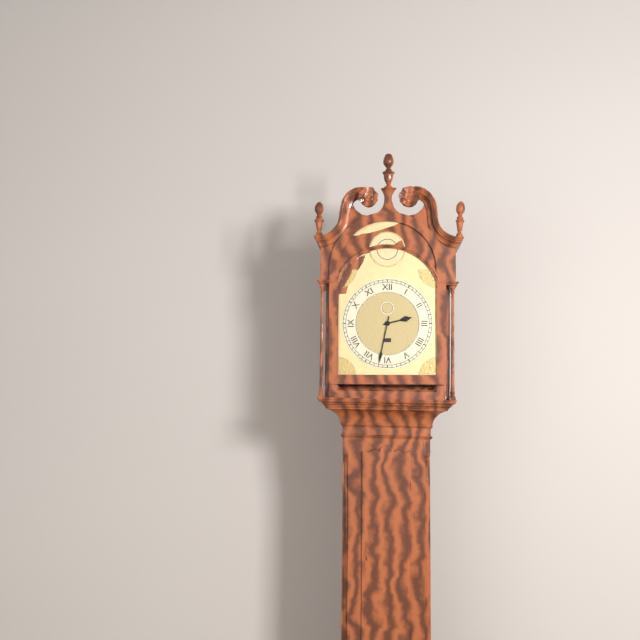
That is 2 h 32 min
